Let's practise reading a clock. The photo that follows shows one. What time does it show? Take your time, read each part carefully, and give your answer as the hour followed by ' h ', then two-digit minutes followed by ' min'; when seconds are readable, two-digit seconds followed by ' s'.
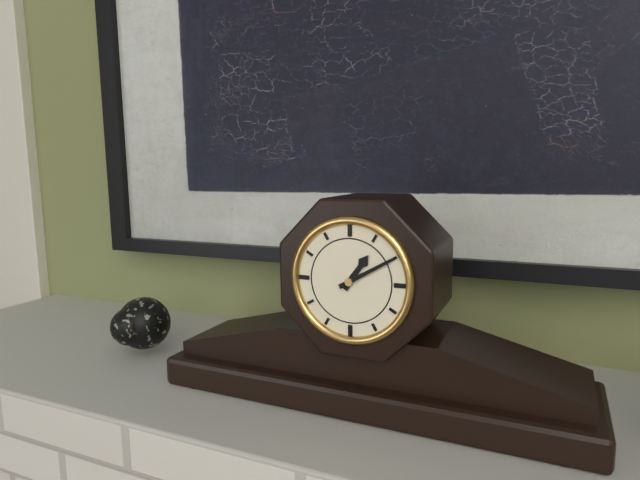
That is 1 h 10 min
